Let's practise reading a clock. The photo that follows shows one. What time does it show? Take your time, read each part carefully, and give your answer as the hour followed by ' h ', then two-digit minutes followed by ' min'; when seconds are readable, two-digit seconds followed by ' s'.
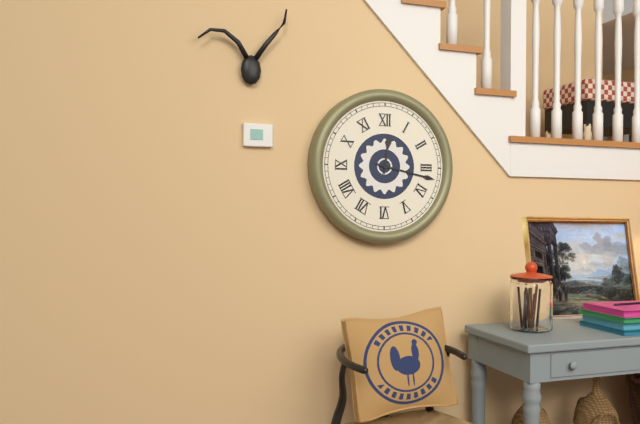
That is 12 h 17 min
